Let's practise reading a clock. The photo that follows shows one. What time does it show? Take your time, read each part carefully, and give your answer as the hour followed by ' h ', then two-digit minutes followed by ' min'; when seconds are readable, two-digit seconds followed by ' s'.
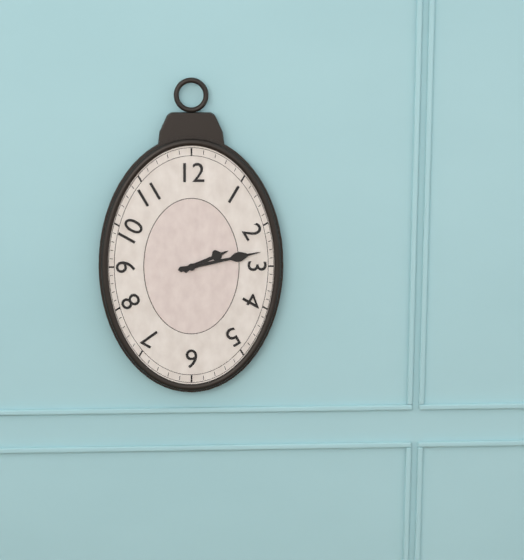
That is 2 h 13 min
